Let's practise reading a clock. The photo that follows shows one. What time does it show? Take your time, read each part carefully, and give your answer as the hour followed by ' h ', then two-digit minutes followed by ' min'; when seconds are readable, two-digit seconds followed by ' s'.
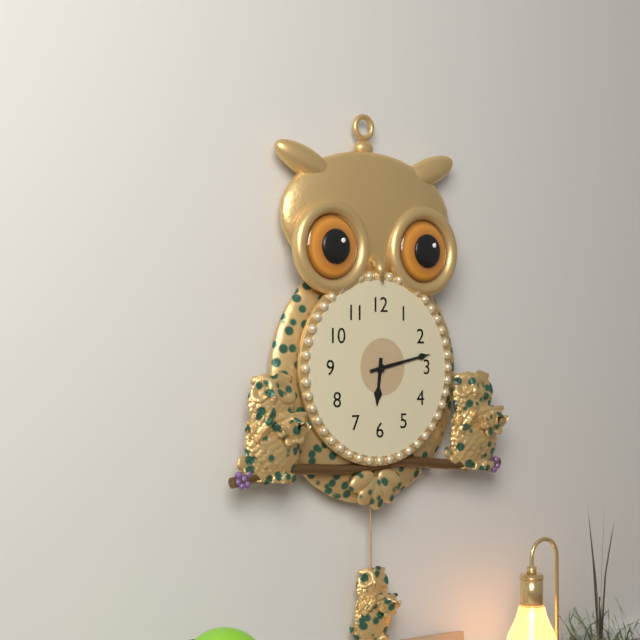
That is 6 h 13 min
